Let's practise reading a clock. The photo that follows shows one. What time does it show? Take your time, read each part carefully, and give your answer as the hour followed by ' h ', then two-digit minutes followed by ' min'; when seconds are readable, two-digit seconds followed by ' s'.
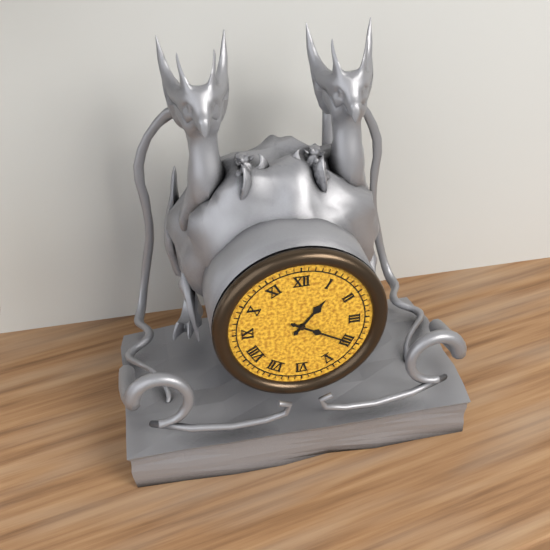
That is 1 h 20 min
